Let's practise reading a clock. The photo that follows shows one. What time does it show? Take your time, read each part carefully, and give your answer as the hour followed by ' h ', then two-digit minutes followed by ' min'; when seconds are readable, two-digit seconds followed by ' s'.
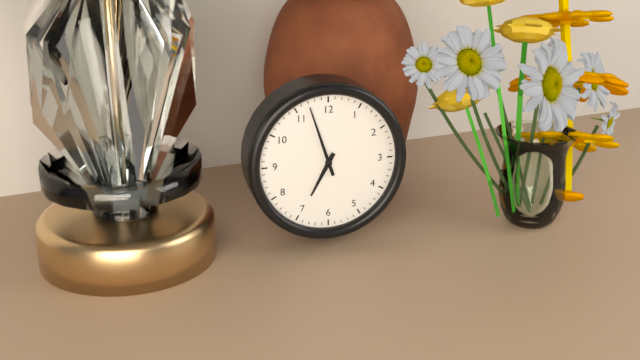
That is 6 h 57 min
